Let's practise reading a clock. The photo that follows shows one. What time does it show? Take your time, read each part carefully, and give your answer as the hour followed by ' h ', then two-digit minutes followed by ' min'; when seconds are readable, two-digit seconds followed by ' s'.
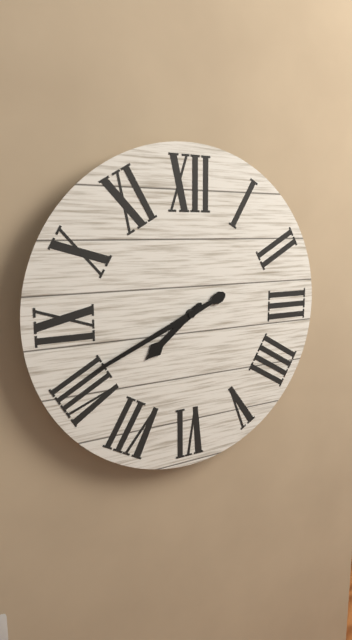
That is 7 h 41 min
